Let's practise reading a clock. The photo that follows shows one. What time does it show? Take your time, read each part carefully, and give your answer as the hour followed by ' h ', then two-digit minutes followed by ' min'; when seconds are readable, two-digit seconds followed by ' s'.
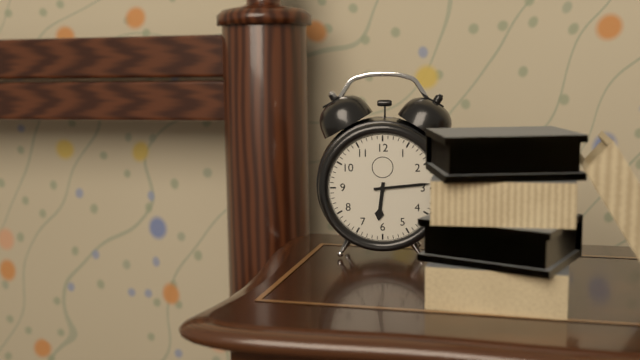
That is 6 h 14 min
